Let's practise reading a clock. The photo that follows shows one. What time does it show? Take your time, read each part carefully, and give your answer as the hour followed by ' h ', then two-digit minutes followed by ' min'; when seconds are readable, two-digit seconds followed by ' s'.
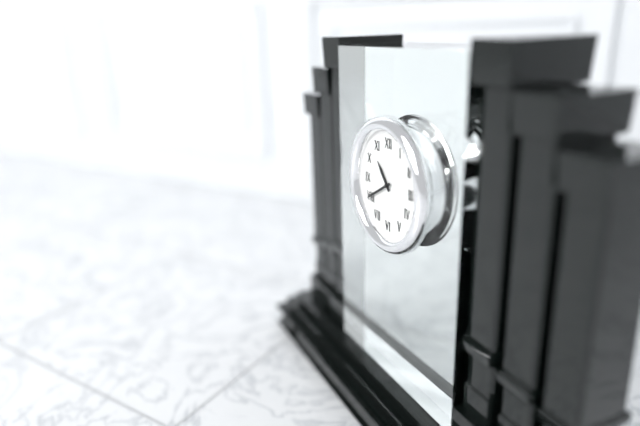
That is 10 h 40 min
